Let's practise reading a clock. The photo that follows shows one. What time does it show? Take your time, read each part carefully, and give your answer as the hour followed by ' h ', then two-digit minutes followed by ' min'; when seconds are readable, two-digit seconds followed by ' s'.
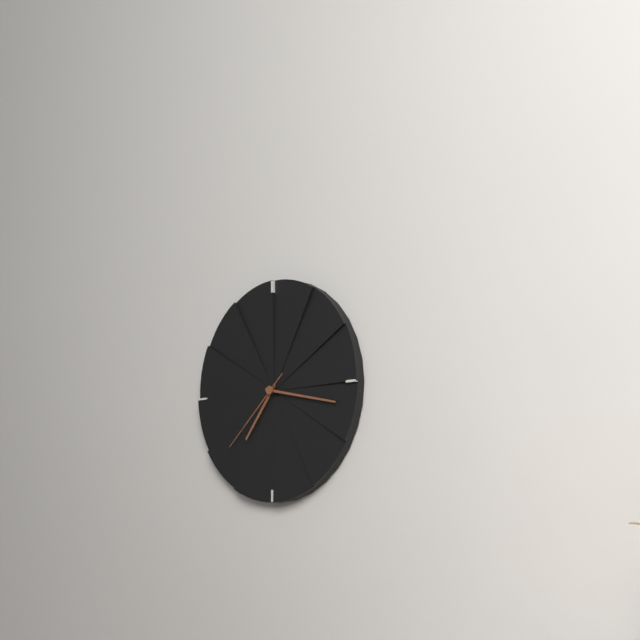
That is 7 h 17 min 38 s
